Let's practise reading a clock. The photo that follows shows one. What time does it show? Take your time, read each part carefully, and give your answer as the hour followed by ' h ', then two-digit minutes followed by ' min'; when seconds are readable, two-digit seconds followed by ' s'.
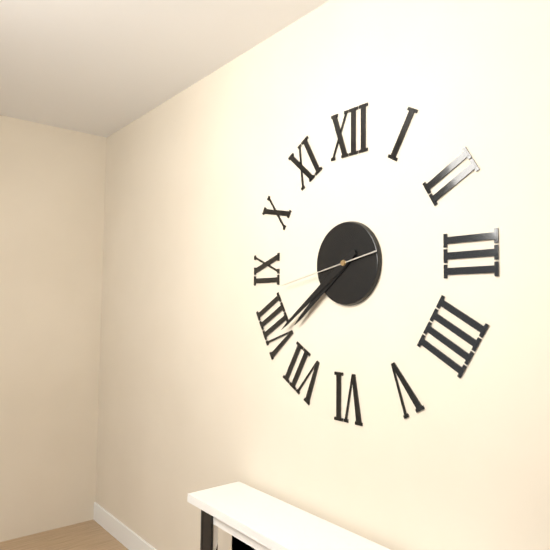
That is 7 h 39 min 43 s
